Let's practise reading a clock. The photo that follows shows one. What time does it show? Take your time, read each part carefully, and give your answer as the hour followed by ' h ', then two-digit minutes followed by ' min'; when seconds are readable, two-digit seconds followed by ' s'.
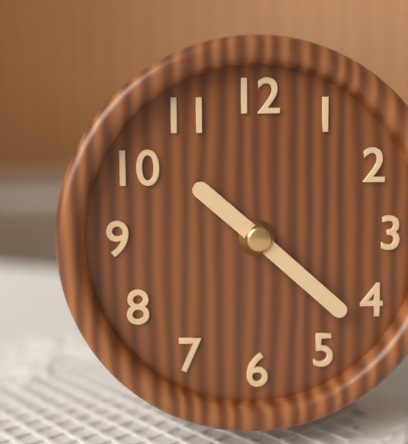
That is 10 h 22 min
